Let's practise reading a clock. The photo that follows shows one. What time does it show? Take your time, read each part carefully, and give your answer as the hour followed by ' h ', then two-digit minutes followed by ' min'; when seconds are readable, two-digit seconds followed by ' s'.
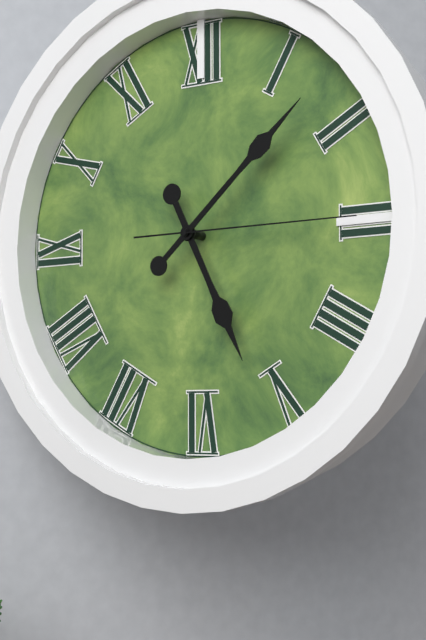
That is 5 h 08 min 15 s
